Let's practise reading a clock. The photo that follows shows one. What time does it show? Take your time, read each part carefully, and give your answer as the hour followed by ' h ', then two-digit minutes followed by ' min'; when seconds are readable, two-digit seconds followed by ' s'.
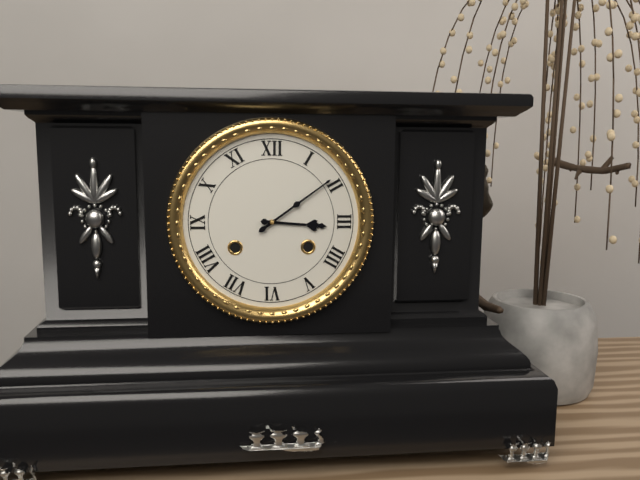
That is 3 h 09 min
